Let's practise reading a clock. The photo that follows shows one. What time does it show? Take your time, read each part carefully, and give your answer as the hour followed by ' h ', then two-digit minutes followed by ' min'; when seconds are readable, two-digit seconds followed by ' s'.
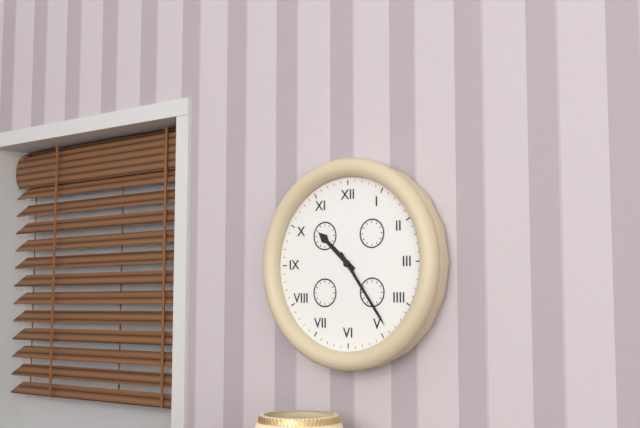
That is 10 h 24 min
